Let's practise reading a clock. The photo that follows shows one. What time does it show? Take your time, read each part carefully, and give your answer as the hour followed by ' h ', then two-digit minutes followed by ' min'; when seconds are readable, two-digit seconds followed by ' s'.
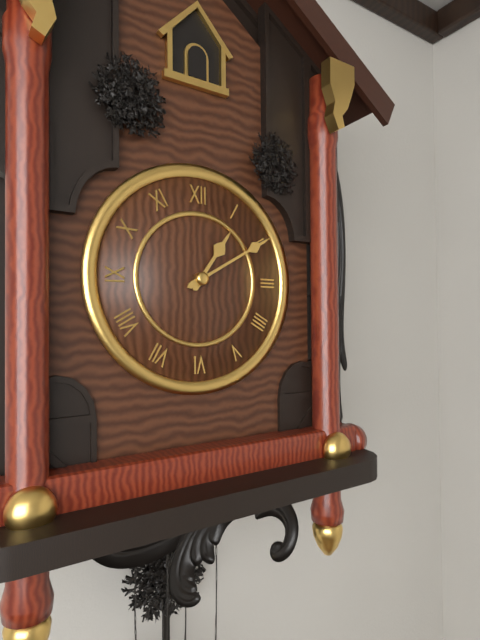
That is 1 h 10 min
